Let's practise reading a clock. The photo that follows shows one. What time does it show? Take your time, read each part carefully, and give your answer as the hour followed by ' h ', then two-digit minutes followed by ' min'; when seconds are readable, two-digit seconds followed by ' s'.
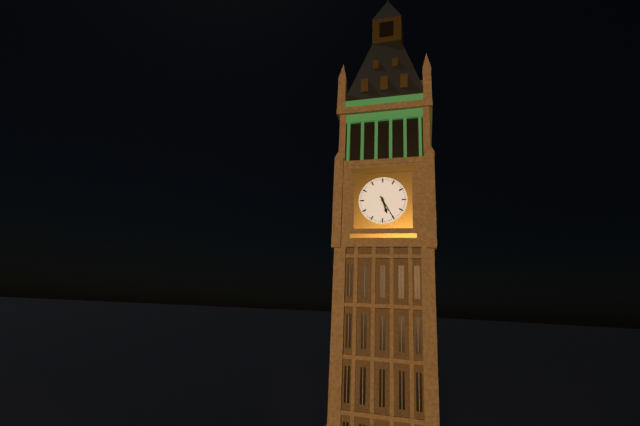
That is 5 h 25 min
